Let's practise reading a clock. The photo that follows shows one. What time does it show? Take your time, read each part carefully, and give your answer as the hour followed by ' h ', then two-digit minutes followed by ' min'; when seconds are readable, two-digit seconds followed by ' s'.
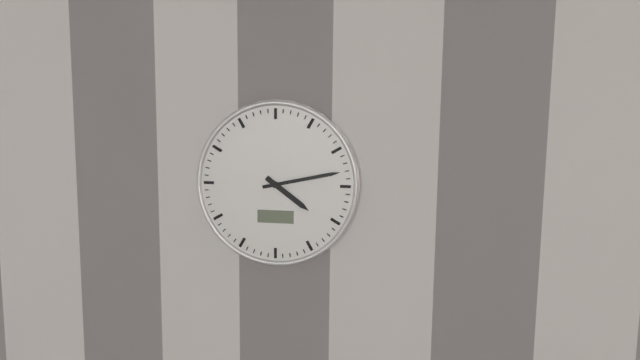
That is 4 h 13 min
